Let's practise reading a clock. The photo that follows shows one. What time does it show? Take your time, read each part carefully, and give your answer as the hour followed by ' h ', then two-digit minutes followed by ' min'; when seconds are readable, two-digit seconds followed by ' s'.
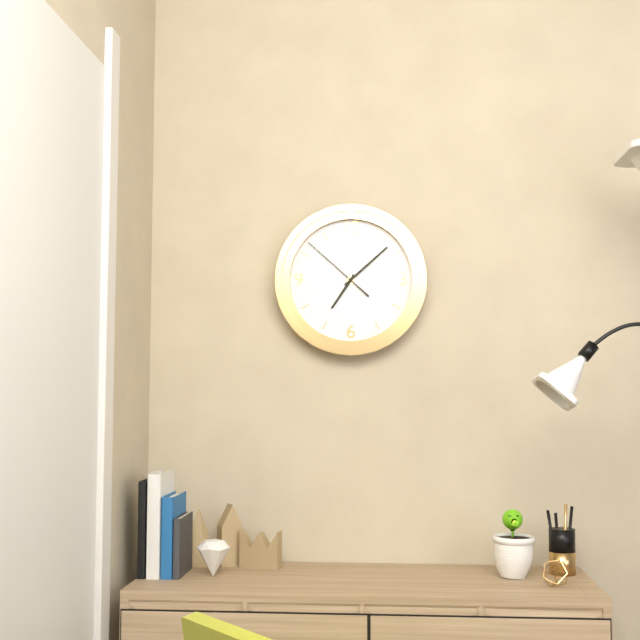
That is 7 h 08 min 52 s
